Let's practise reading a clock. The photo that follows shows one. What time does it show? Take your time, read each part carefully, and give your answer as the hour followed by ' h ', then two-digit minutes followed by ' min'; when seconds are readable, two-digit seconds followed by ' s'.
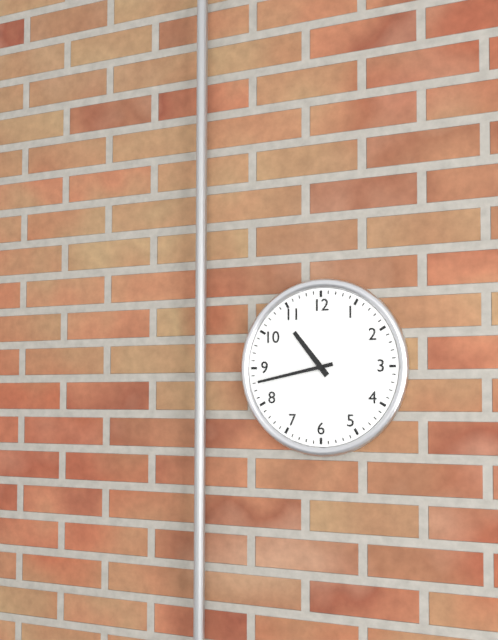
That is 10 h 43 min
